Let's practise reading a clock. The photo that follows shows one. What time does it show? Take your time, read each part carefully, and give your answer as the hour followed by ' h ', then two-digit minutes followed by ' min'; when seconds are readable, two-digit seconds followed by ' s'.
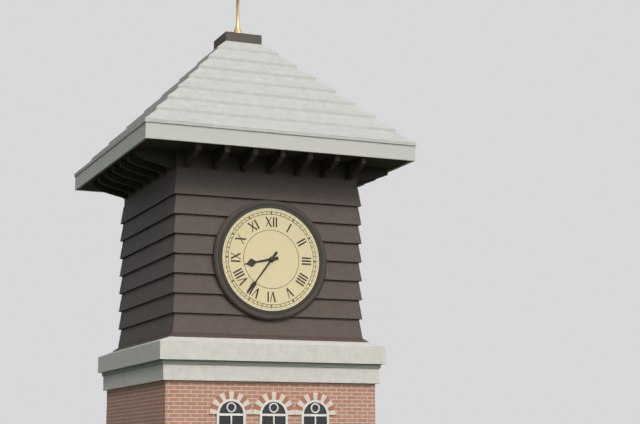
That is 8 h 36 min
